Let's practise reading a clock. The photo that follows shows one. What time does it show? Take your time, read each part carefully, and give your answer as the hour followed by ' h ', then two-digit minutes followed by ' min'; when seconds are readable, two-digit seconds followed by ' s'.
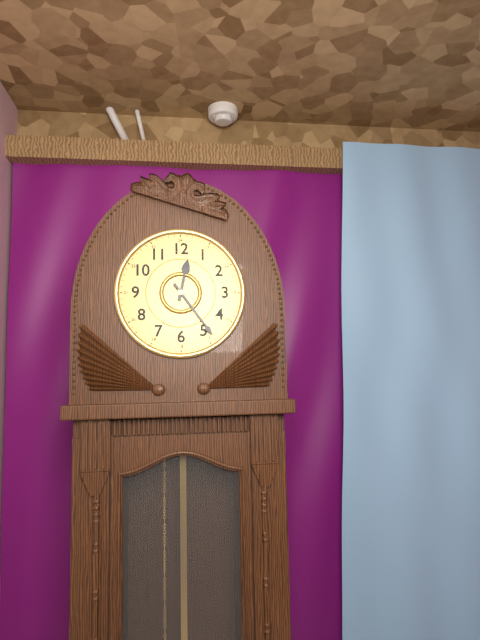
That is 12 h 24 min
